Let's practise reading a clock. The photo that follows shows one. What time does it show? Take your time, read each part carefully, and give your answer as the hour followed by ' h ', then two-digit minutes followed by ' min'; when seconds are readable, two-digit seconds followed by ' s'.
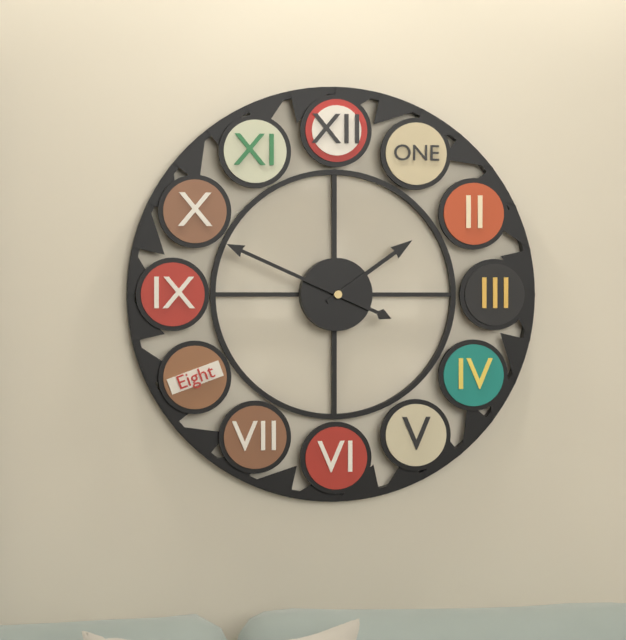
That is 1 h 49 min
